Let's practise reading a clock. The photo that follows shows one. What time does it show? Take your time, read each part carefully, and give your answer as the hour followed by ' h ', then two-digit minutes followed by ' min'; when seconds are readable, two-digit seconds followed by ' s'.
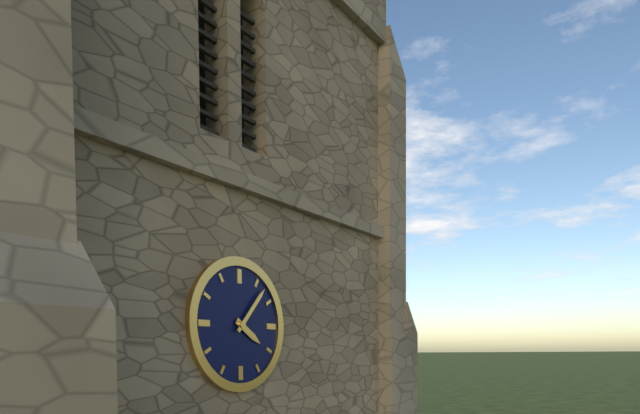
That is 4 h 07 min
